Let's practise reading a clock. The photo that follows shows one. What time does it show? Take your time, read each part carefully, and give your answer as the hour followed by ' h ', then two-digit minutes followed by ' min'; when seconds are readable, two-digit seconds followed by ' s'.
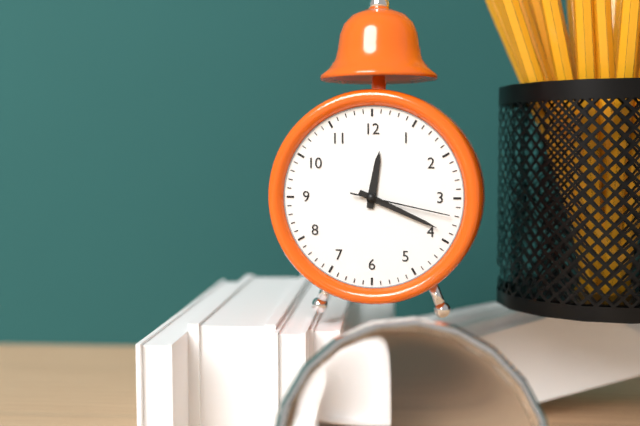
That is 12 h 19 min 17 s
